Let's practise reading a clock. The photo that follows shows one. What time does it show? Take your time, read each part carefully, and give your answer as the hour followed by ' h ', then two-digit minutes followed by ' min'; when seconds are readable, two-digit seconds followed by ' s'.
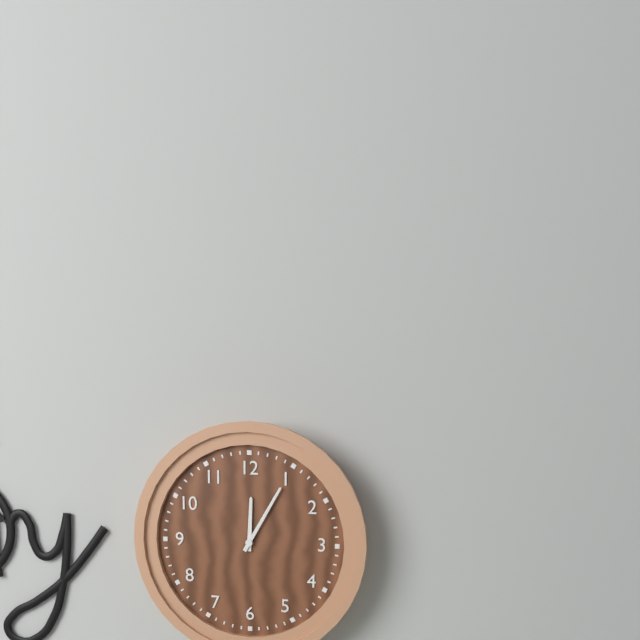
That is 12 h 05 min
